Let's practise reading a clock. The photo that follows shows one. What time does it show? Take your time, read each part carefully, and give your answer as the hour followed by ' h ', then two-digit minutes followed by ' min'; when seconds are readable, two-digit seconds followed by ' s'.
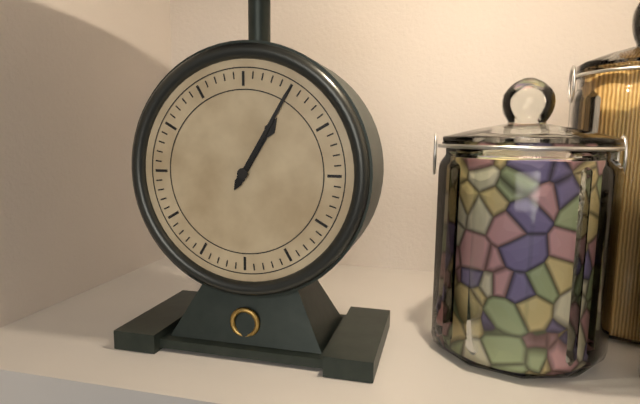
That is 1 h 05 min
